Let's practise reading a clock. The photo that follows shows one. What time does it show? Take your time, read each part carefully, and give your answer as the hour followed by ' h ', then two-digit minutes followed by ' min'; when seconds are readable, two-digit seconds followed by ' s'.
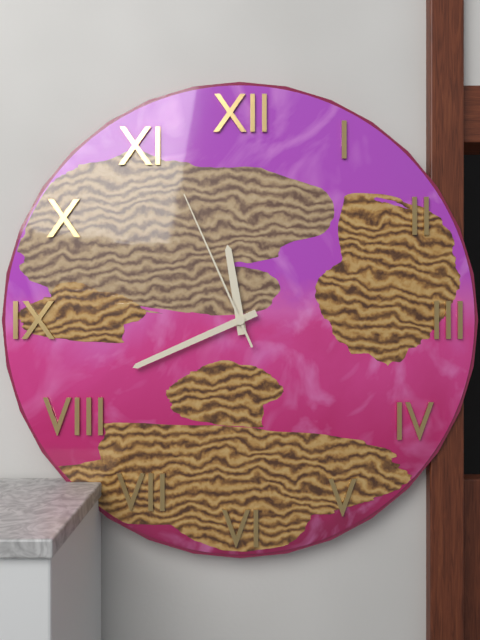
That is 11 h 41 min 56 s
